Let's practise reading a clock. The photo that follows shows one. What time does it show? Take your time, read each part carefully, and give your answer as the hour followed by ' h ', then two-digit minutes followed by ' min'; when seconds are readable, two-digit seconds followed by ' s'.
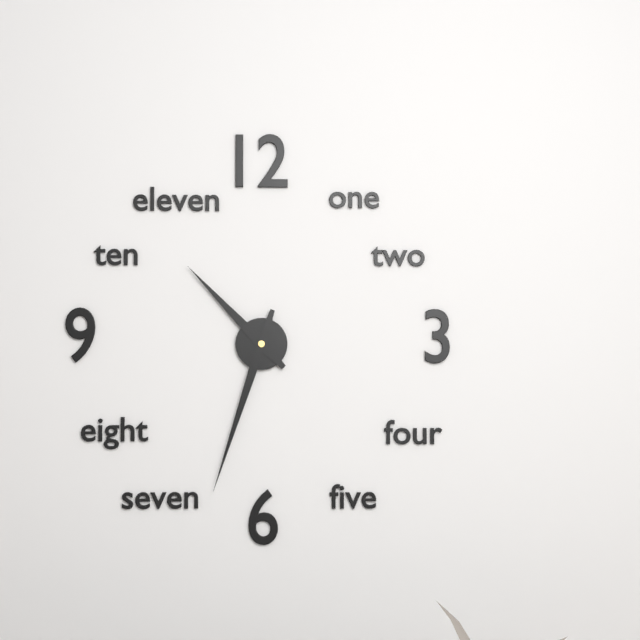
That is 10 h 33 min
